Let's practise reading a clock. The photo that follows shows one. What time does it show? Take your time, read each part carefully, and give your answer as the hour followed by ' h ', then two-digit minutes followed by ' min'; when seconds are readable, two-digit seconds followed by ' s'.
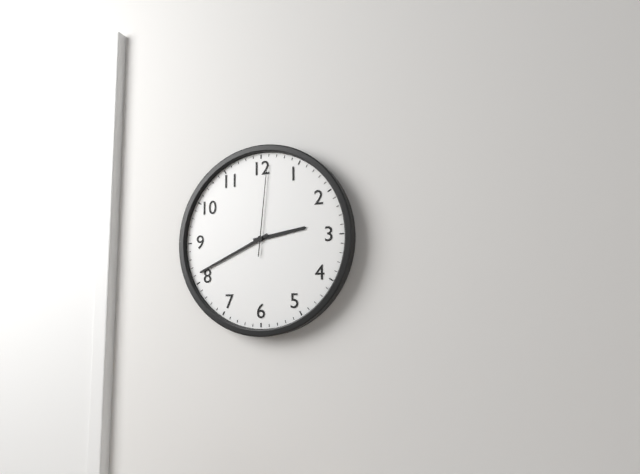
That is 2 h 41 min 01 s
